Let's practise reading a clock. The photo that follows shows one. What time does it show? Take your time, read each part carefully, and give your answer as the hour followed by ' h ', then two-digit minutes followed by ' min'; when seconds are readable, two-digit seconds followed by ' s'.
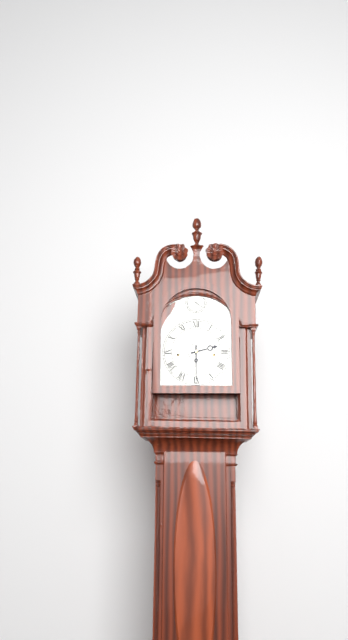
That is 2 h 30 min
